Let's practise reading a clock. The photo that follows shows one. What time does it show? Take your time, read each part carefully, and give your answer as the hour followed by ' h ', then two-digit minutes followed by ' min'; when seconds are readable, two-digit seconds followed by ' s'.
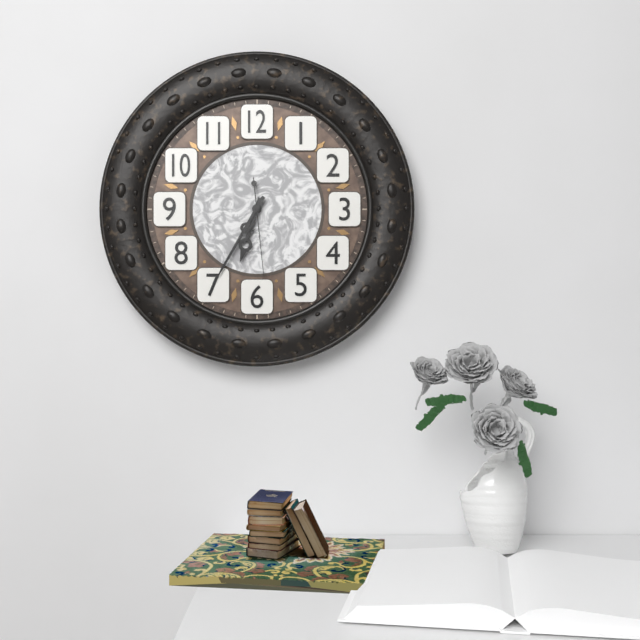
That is 6 h 35 min 29 s
